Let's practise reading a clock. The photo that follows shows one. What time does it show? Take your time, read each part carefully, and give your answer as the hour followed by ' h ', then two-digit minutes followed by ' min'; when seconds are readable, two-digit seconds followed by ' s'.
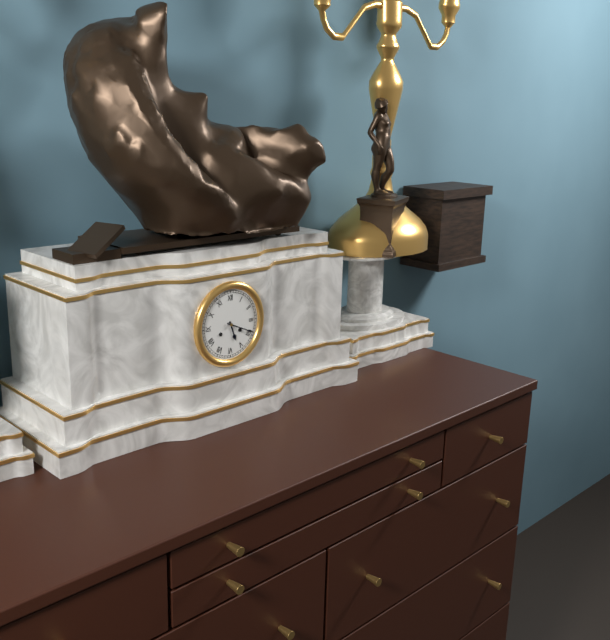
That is 5 h 19 min
